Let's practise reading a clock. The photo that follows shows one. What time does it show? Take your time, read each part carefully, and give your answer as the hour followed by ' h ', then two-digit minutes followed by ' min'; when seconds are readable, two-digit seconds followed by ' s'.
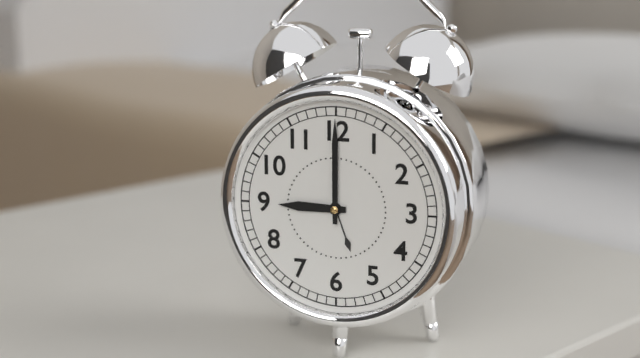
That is 9 h 00 min
